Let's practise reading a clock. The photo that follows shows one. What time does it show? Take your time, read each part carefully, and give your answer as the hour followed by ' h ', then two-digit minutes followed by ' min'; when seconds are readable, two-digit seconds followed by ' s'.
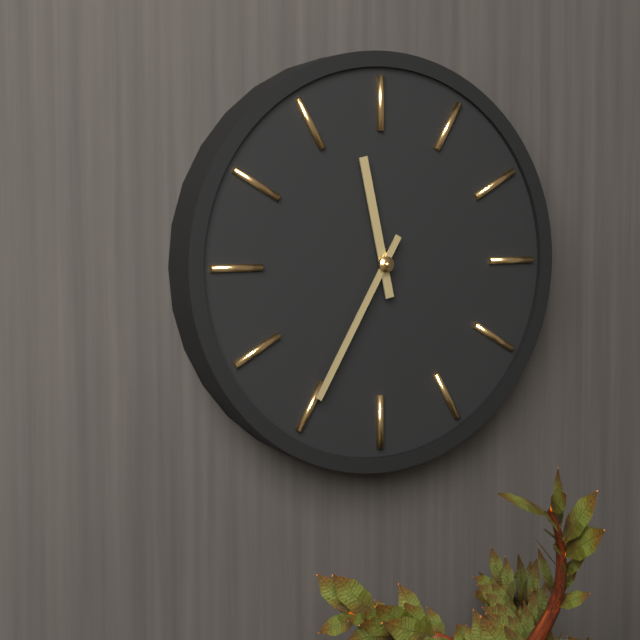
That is 11 h 35 min
